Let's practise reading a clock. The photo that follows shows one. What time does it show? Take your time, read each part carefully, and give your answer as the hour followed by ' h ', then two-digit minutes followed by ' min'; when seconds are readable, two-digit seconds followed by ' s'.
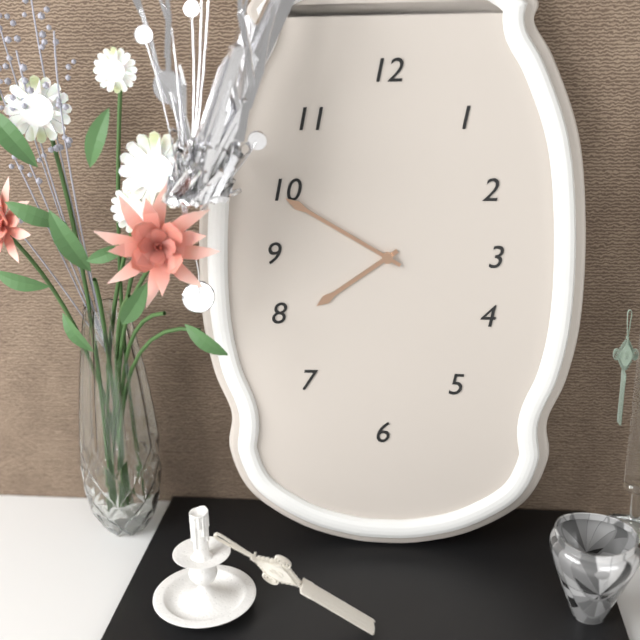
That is 7 h 50 min
